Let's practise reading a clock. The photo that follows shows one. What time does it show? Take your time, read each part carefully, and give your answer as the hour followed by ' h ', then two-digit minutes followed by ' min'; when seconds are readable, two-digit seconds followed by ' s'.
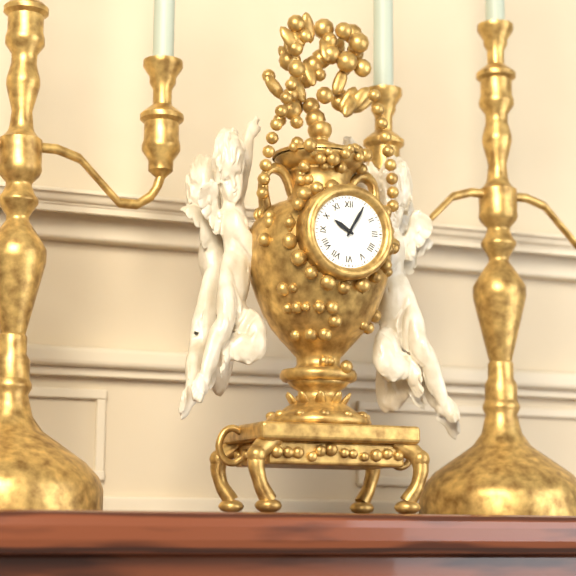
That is 10 h 05 min
